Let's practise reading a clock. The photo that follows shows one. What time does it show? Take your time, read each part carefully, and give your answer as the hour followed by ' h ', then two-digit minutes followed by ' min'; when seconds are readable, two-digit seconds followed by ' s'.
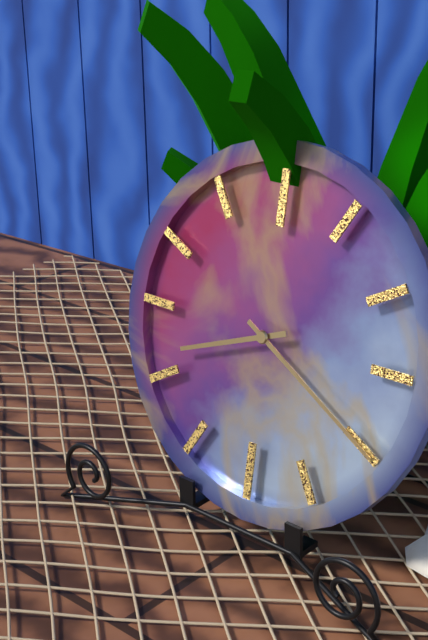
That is 8 h 20 min
